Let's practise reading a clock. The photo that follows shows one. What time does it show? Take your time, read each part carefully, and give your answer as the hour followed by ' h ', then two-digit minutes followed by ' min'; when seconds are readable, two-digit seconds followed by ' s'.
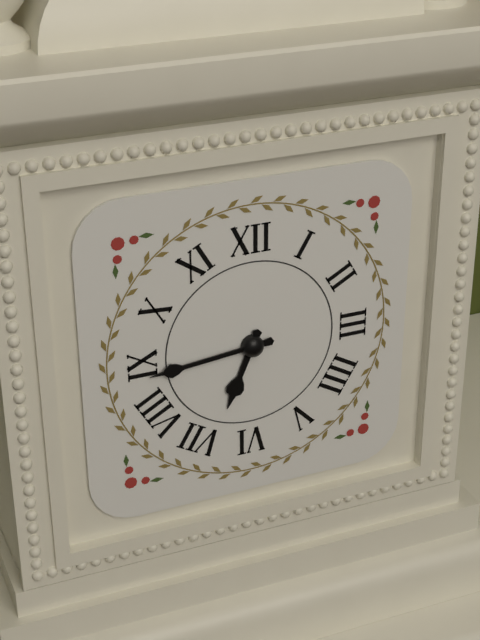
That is 6 h 44 min
